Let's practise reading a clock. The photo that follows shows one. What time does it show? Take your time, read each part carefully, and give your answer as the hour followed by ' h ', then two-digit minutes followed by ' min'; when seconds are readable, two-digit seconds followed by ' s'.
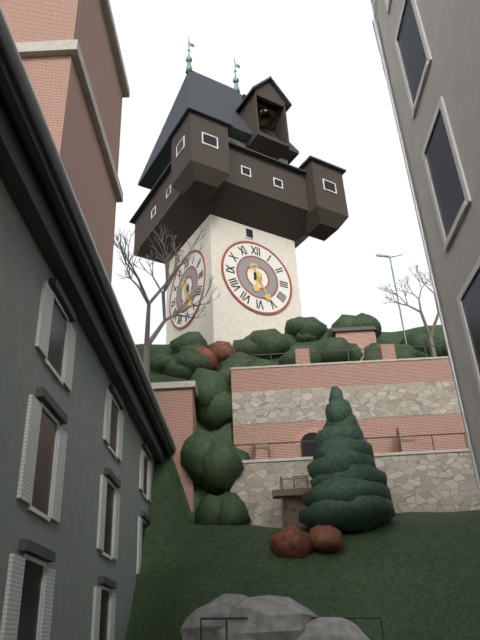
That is 6 h 26 min
